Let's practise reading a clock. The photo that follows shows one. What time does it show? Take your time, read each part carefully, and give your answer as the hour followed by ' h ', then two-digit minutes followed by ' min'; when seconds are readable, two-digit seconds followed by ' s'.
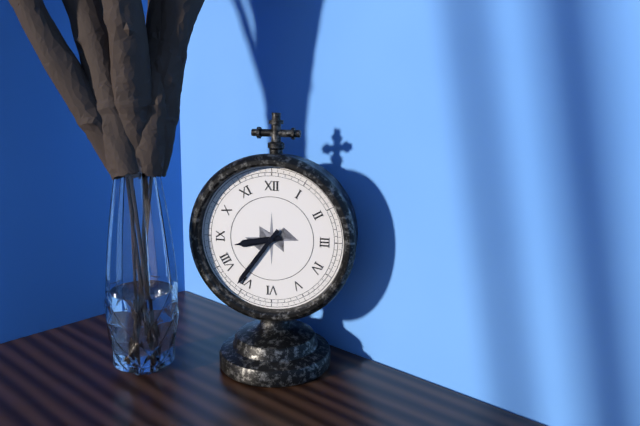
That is 8 h 36 min
